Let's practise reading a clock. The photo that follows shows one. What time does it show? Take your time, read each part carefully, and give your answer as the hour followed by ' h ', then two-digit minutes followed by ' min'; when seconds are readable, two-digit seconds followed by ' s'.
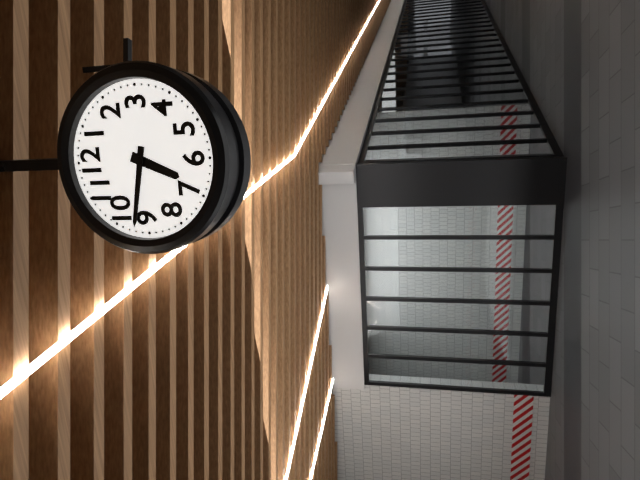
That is 6 h 47 min
